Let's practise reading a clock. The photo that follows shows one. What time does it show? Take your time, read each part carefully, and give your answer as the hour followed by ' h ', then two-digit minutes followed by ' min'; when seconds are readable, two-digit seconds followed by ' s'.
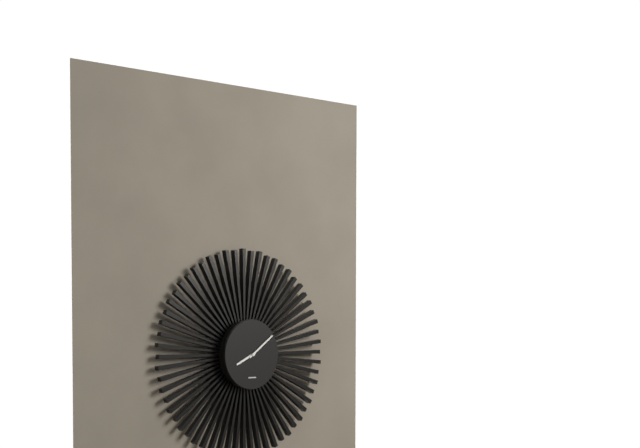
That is 8 h 09 min
